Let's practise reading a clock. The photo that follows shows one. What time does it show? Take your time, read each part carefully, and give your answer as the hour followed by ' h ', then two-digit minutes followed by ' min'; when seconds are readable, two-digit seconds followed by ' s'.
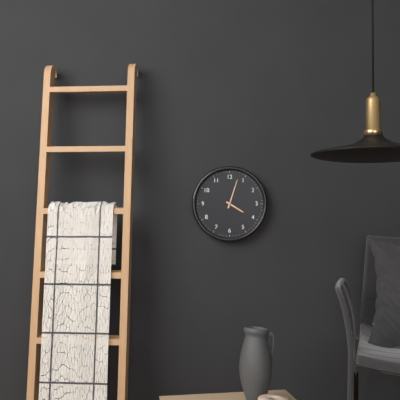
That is 4 h 03 min
